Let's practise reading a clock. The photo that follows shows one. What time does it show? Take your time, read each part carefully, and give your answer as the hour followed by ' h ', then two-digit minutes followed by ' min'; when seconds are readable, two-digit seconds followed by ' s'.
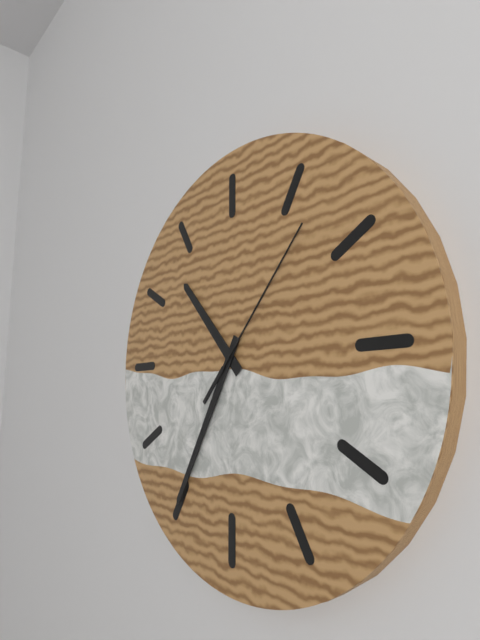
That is 10 h 35 min 07 s
